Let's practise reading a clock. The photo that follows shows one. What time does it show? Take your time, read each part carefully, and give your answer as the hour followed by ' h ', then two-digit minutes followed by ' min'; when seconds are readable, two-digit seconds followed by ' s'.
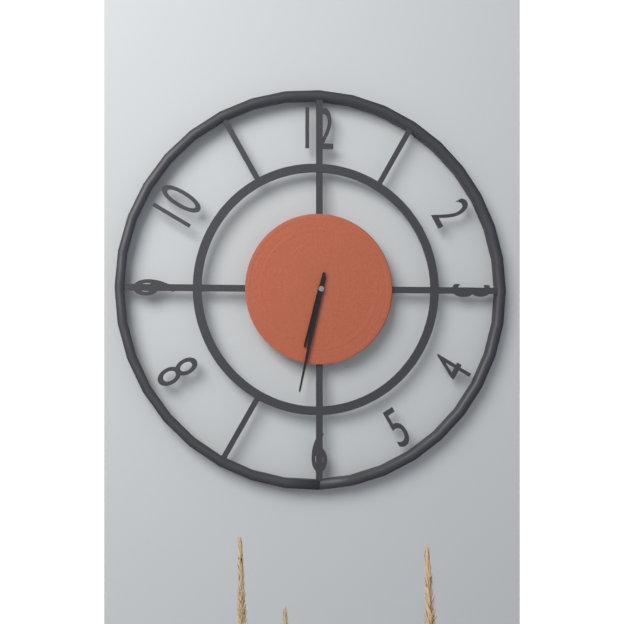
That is 6 h 32 min
